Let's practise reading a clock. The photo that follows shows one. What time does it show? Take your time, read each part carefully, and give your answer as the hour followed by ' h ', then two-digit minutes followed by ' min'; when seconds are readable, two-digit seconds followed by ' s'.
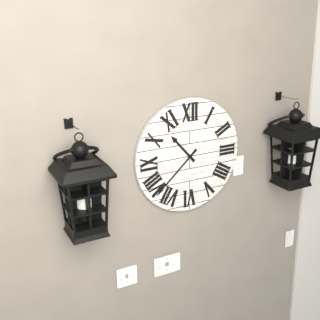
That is 10 h 38 min
